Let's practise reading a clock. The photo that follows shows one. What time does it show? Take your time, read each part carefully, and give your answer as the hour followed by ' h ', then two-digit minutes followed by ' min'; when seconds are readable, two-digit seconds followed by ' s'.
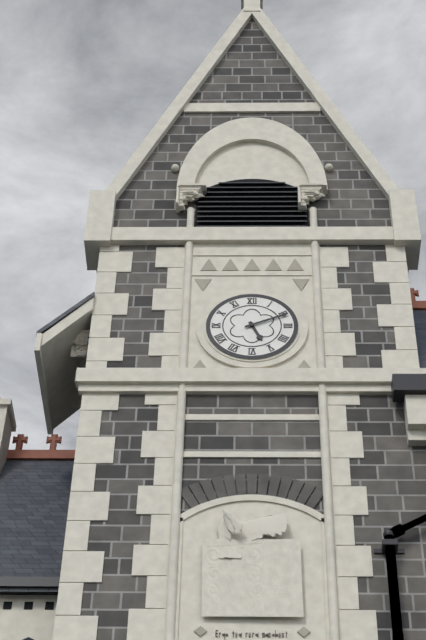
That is 5 h 11 min
